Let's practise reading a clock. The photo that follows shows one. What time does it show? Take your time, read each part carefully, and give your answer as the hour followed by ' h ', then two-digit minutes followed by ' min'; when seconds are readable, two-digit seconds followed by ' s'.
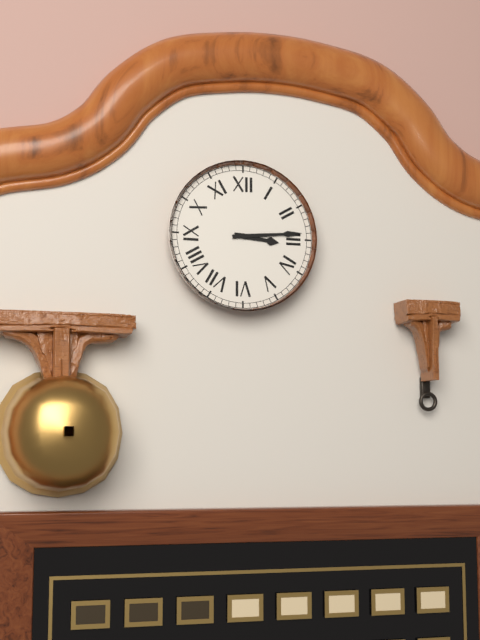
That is 3 h 14 min
